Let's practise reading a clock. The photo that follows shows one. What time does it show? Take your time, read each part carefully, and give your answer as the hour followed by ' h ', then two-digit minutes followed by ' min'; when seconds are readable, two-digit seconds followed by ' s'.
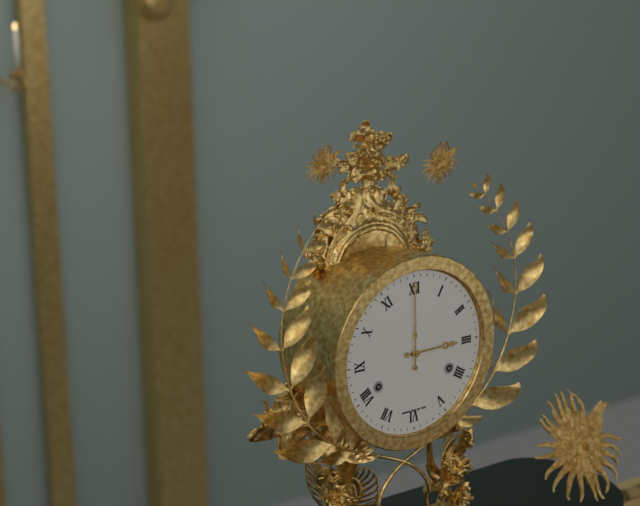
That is 3 h 00 min
